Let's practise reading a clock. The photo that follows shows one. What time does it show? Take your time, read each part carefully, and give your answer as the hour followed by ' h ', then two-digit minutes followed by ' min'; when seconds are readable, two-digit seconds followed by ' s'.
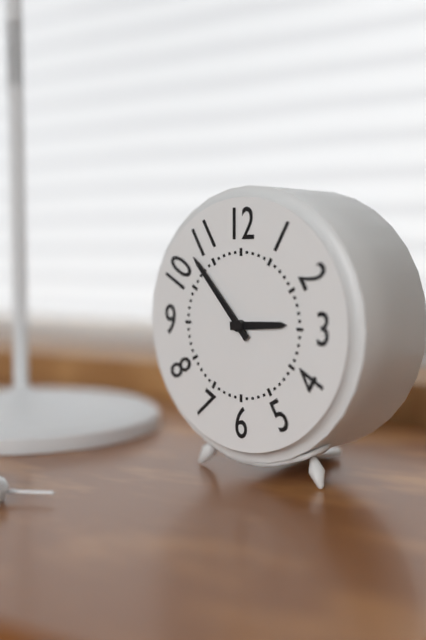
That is 2 h 53 min
